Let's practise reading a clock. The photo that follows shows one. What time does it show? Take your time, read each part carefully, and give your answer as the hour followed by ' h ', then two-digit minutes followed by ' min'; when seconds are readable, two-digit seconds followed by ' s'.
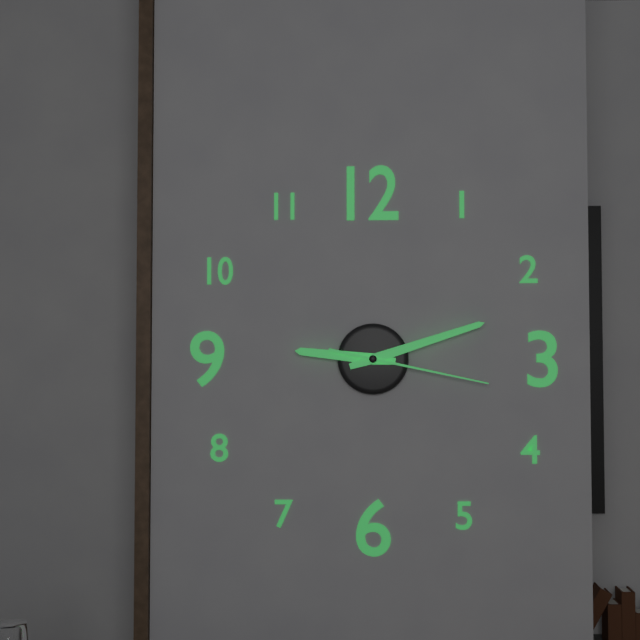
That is 9 h 12 min 17 s
